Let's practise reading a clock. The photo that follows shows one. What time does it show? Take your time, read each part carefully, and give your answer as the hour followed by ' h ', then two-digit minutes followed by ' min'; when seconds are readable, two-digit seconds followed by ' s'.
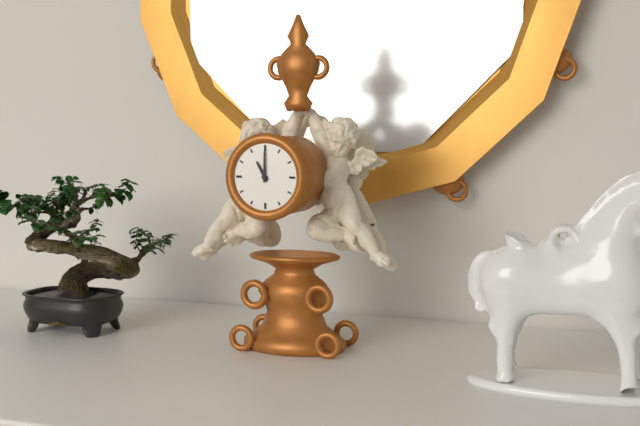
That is 11 h 00 min
